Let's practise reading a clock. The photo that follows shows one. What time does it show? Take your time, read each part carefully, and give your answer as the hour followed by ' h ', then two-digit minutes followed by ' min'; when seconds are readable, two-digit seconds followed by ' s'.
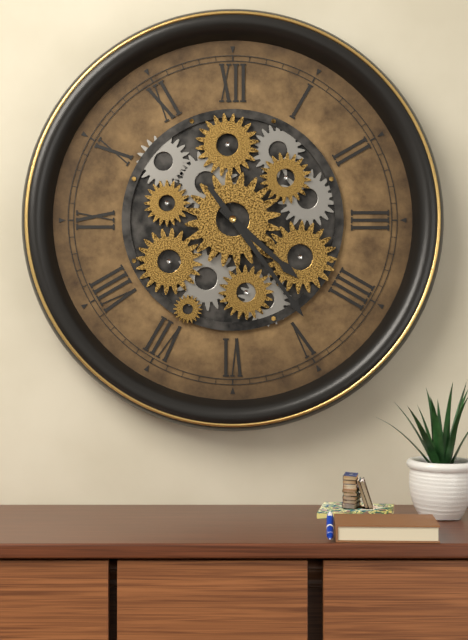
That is 4 h 24 min
